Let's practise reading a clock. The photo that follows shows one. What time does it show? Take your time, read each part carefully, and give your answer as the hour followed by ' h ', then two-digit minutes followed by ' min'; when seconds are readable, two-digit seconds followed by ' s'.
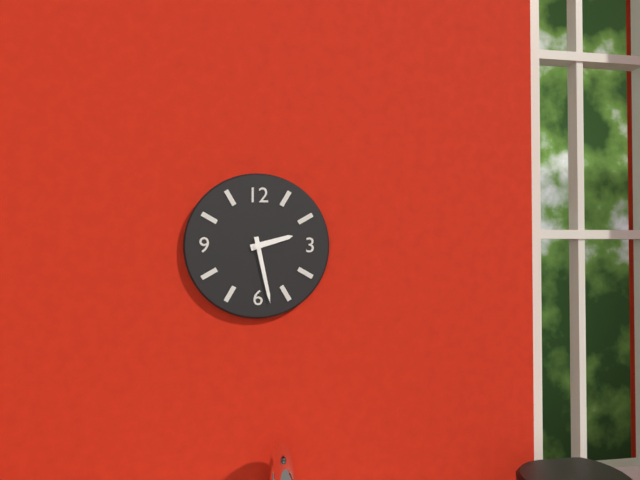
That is 2 h 28 min
